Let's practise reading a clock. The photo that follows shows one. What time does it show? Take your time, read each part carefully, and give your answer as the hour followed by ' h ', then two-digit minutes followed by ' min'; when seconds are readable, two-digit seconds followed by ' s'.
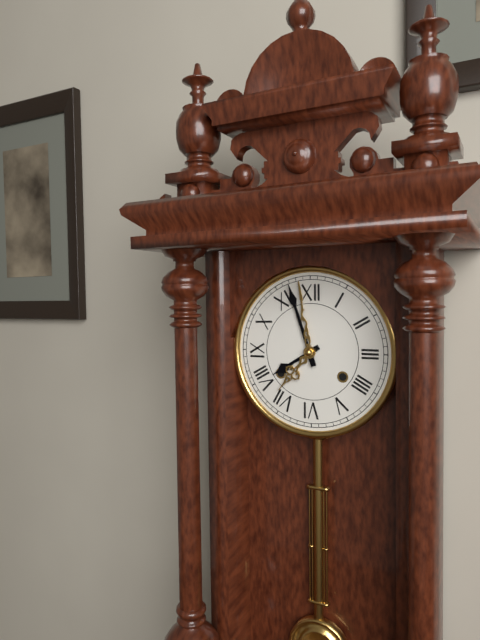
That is 7 h 57 min
